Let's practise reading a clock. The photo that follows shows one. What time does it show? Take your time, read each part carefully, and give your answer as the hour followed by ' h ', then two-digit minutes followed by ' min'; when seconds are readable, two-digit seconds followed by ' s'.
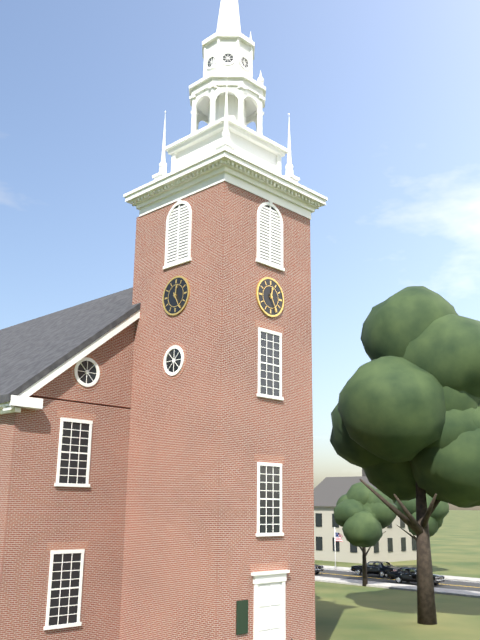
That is 12 h 25 min
